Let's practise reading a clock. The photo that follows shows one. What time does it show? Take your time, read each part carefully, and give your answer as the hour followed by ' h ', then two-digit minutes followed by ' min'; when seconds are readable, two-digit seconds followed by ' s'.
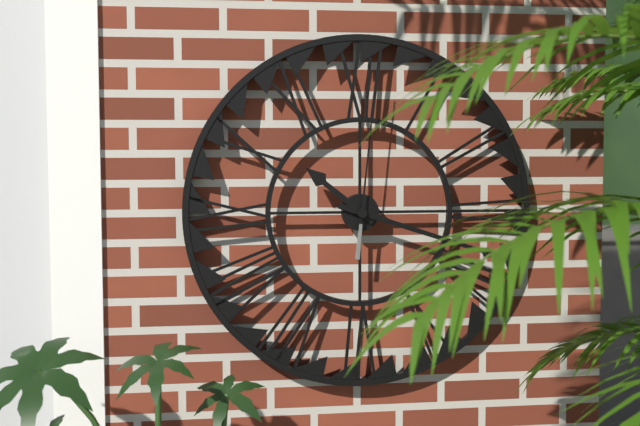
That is 10 h 18 min 01 s
